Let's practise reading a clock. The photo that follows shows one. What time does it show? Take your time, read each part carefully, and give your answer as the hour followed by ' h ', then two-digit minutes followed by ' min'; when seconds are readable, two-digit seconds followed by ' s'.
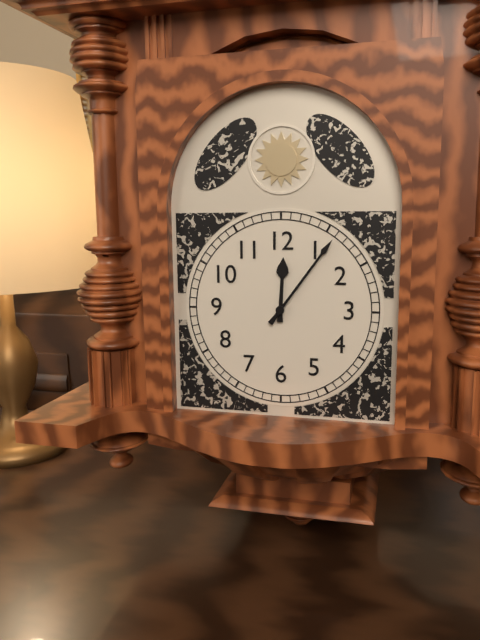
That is 12 h 06 min
